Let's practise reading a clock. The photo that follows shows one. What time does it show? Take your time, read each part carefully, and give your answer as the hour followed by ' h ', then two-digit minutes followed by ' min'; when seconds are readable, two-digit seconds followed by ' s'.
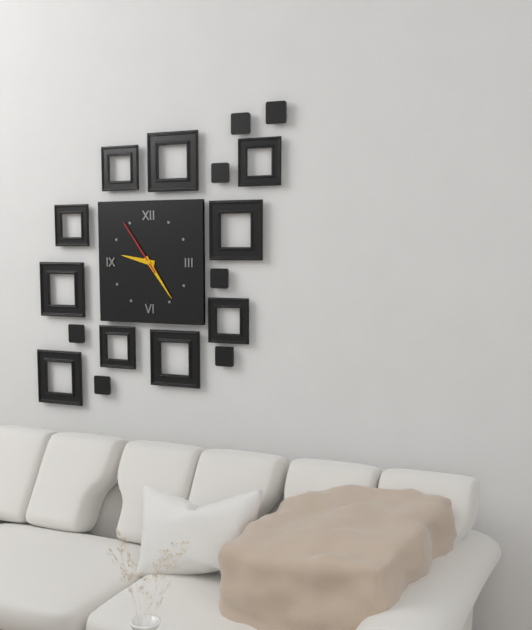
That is 9 h 24 min 54 s
